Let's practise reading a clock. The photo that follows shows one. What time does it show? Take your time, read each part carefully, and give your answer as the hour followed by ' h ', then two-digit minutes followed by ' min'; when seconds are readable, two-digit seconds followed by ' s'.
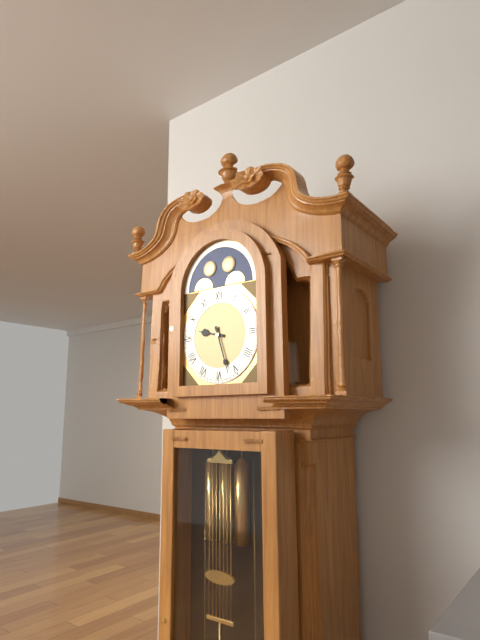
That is 9 h 27 min
